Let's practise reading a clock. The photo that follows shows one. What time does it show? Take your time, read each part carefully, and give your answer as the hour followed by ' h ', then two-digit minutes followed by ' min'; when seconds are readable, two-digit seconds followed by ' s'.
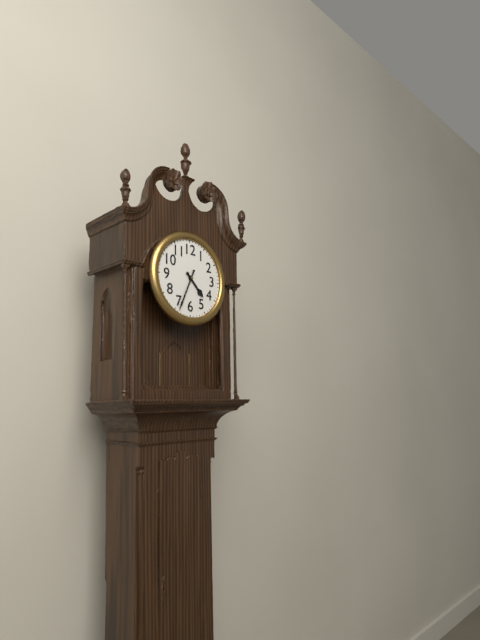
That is 4 h 34 min
